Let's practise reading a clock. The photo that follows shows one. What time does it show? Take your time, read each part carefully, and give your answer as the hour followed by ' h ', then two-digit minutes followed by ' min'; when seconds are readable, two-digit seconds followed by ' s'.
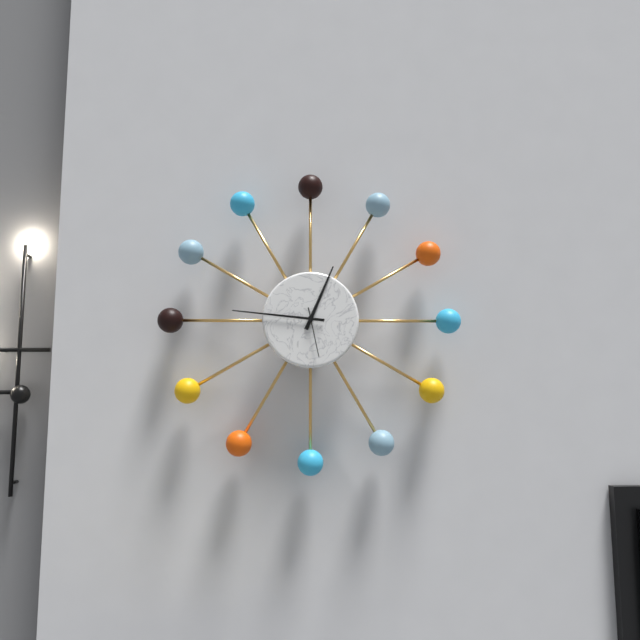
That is 12 h 46 min
